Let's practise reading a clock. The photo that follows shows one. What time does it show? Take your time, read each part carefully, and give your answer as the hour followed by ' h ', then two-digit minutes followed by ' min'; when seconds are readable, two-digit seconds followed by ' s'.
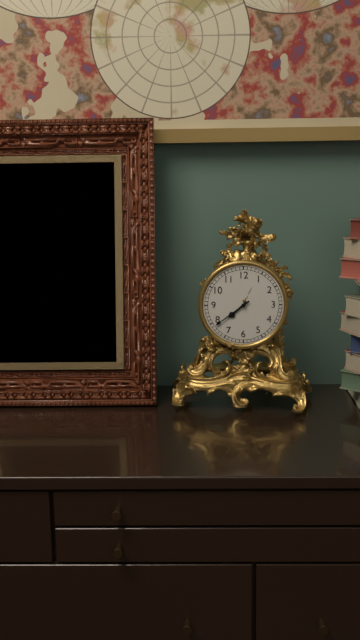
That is 7 h 39 min
